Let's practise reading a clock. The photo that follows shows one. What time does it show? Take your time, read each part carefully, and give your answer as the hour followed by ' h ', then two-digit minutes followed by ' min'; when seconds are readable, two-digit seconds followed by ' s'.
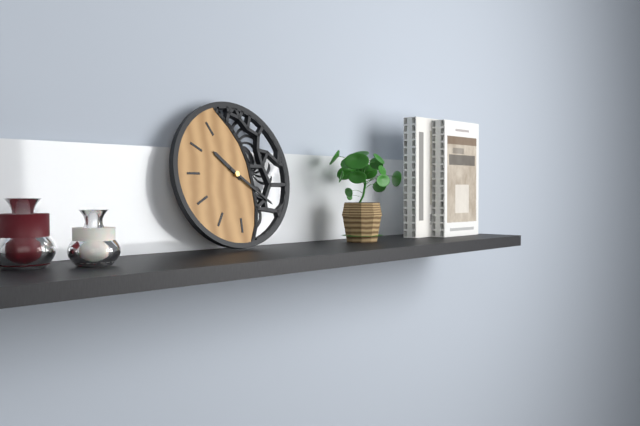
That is 10 h 21 min
